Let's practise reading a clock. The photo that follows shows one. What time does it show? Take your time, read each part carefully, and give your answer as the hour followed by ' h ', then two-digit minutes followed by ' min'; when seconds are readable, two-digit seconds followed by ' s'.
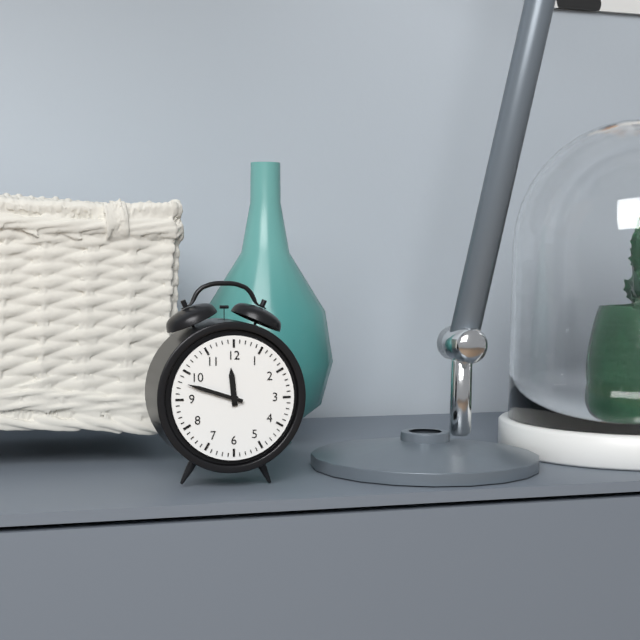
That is 11 h 48 min
